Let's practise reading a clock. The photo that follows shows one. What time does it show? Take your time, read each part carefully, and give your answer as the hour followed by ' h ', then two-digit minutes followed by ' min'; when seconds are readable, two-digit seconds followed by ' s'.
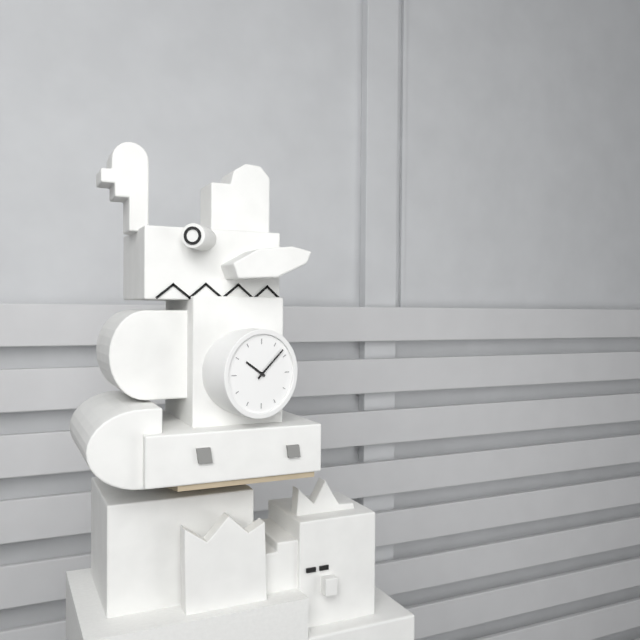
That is 10 h 08 min
